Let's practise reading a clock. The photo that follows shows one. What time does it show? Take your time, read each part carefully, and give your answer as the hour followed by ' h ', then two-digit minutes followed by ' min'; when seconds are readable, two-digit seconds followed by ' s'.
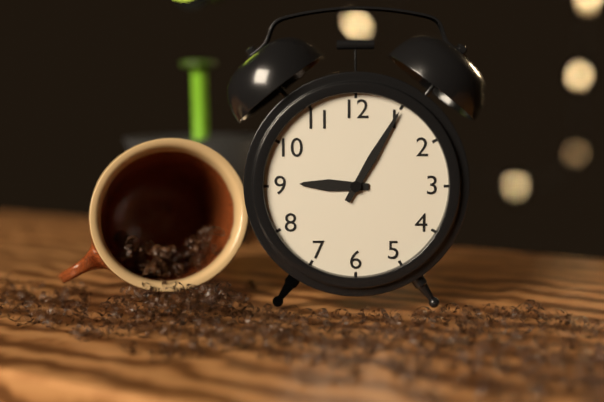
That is 9 h 05 min
